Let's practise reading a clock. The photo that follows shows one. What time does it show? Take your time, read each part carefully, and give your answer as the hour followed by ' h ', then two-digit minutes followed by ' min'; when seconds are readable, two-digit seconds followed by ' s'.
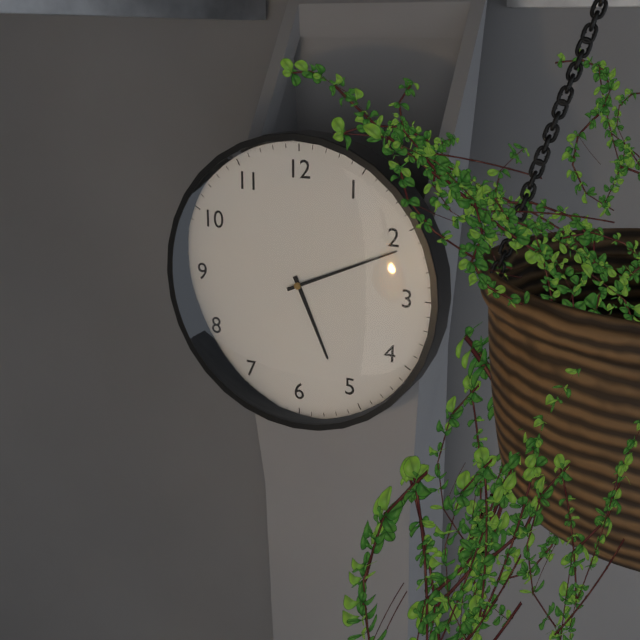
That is 5 h 11 min
